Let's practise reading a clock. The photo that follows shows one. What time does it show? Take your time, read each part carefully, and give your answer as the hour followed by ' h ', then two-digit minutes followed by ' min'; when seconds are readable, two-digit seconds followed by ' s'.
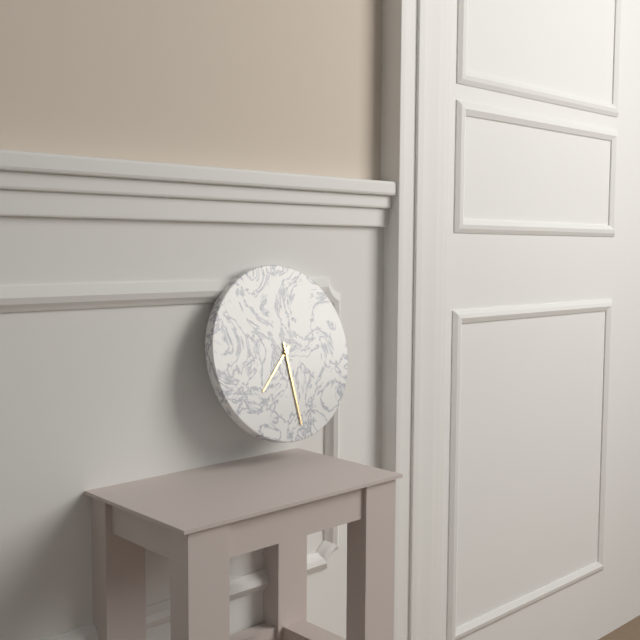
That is 7 h 29 min
